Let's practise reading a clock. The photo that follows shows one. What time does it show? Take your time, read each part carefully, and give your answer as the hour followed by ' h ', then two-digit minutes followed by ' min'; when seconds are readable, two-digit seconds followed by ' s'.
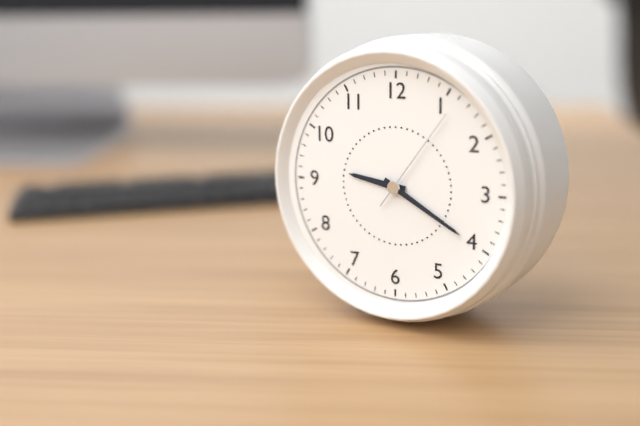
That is 9 h 20 min 06 s
